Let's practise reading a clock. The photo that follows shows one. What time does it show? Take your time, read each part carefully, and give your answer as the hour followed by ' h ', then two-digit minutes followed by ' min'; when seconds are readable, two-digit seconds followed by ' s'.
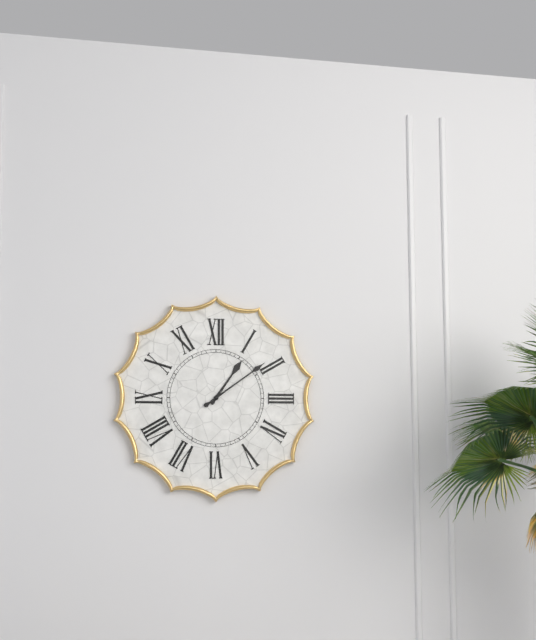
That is 1 h 09 min
